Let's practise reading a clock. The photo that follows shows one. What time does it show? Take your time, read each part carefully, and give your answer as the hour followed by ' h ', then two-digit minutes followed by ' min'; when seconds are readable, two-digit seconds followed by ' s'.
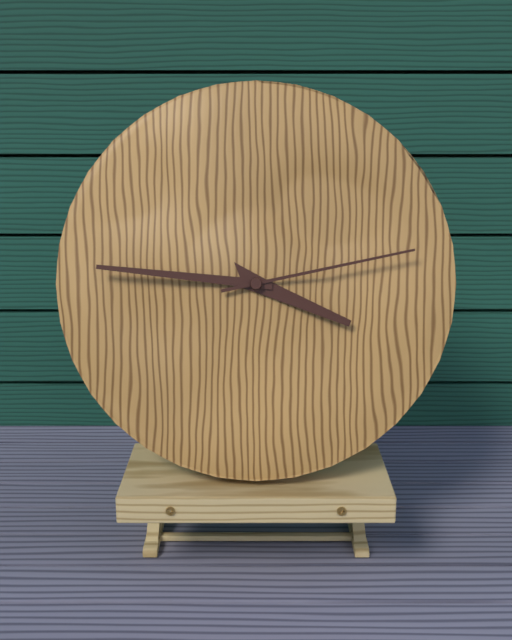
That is 3 h 46 min 13 s
